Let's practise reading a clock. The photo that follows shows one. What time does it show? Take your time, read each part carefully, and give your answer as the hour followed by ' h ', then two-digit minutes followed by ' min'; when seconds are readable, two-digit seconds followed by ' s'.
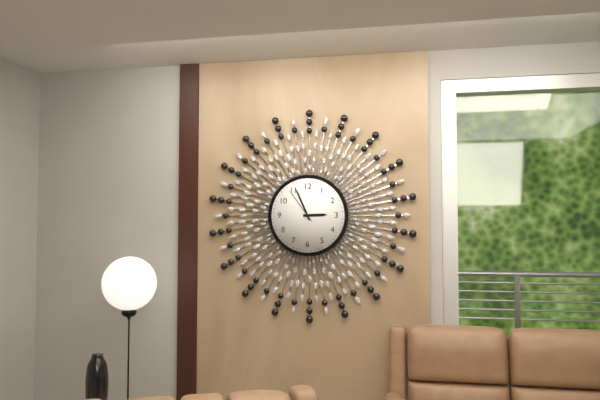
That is 2 h 56 min
